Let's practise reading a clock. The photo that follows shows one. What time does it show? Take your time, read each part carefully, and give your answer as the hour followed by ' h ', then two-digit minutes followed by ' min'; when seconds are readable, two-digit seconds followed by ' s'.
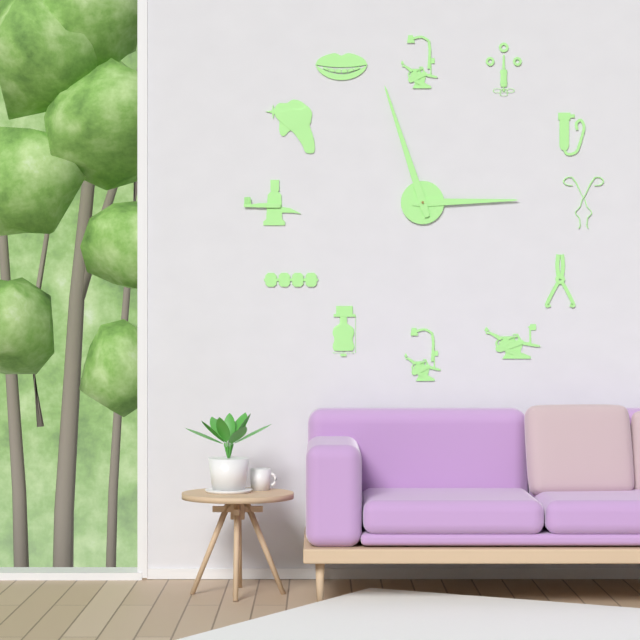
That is 2 h 57 min
